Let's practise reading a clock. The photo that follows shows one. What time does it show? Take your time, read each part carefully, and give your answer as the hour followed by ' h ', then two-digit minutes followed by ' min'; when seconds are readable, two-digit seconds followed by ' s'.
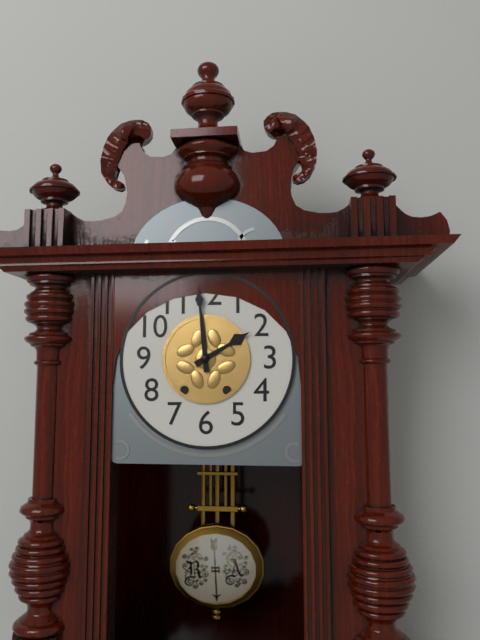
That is 1 h 59 min
